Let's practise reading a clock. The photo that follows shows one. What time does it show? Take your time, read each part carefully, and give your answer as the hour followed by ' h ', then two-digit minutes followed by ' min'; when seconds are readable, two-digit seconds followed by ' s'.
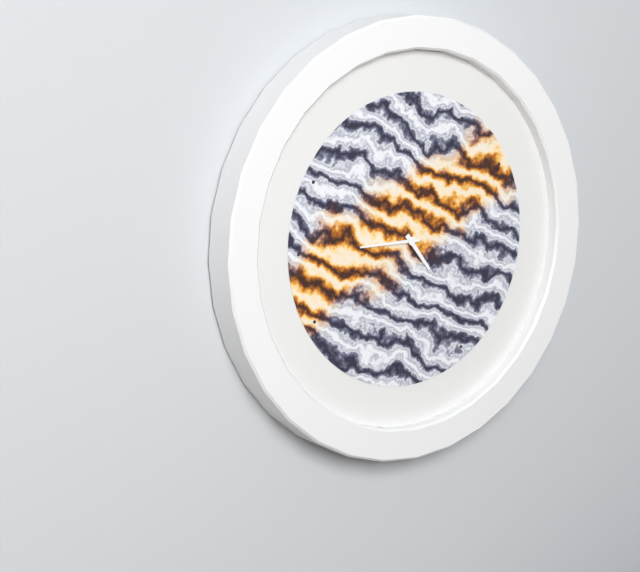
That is 4 h 45 min
